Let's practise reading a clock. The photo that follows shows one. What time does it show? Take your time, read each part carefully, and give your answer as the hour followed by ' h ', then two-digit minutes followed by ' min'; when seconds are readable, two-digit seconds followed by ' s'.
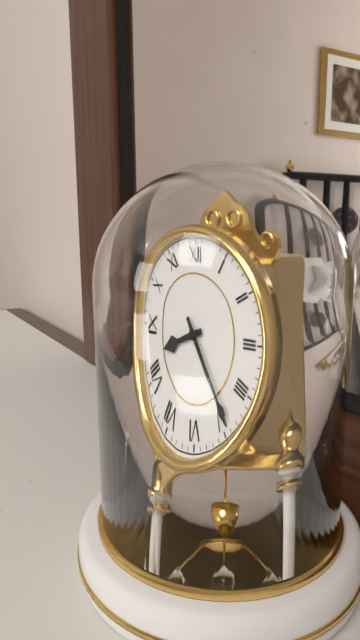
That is 8 h 24 min
